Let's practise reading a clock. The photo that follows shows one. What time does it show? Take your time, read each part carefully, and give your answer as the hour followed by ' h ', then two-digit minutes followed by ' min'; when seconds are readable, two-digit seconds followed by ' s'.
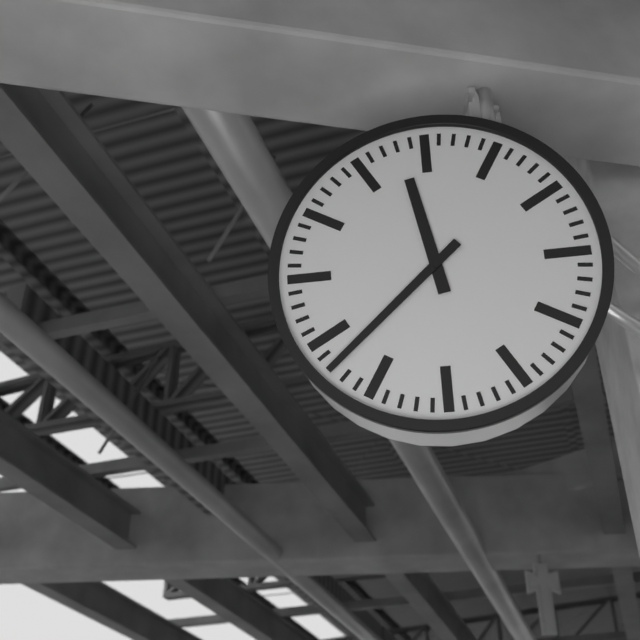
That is 11 h 38 min
